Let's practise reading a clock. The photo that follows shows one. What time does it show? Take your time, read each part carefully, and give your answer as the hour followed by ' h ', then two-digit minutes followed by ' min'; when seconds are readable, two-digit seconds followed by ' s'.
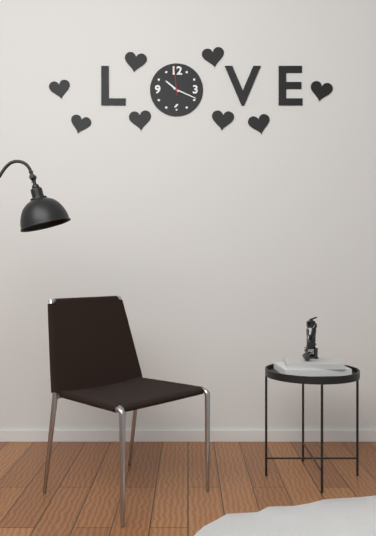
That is 10 h 19 min
